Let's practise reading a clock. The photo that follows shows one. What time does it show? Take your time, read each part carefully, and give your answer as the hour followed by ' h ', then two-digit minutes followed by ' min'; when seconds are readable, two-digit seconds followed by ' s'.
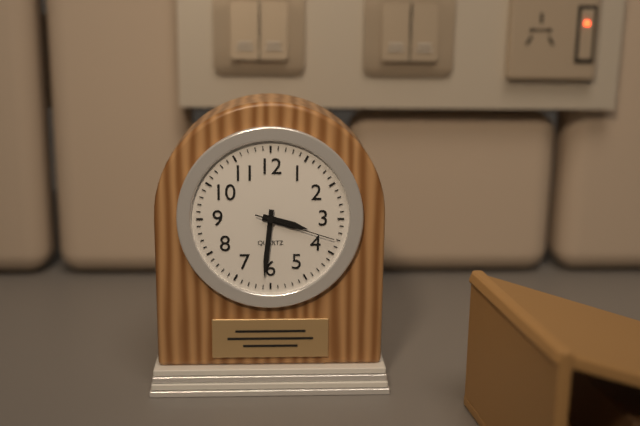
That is 3 h 31 min 18 s
